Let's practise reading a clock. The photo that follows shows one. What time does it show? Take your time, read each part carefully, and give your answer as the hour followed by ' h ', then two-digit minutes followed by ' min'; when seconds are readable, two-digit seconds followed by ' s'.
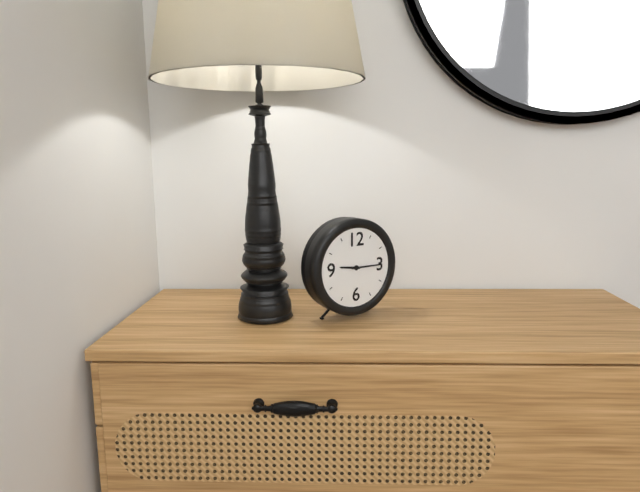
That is 9 h 15 min
